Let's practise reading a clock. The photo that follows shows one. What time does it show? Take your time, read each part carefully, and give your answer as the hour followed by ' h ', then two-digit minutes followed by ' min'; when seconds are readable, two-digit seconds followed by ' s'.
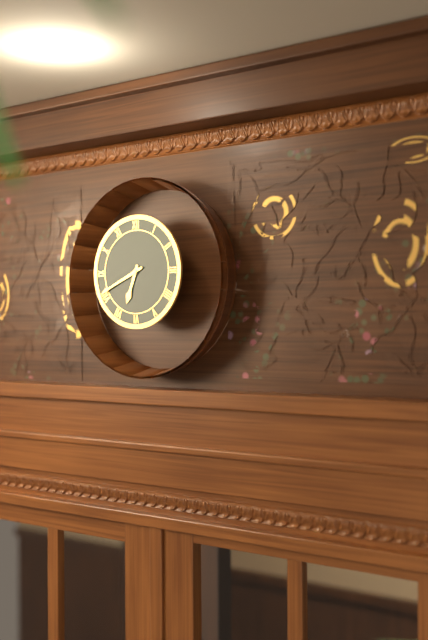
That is 6 h 41 min
